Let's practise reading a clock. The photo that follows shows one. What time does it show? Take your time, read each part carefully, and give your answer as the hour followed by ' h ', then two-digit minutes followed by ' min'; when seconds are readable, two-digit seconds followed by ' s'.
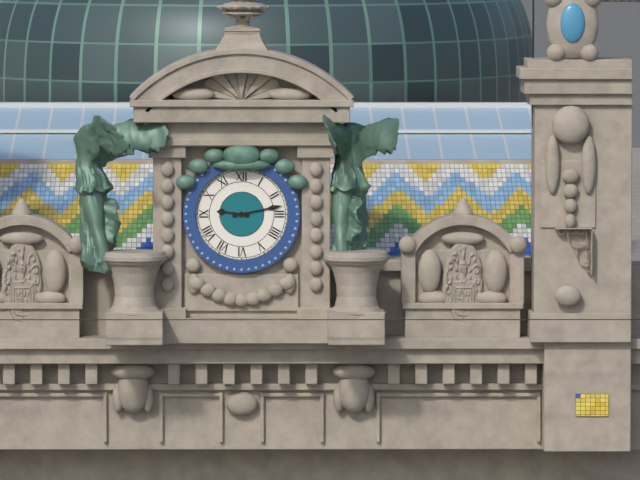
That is 9 h 13 min
